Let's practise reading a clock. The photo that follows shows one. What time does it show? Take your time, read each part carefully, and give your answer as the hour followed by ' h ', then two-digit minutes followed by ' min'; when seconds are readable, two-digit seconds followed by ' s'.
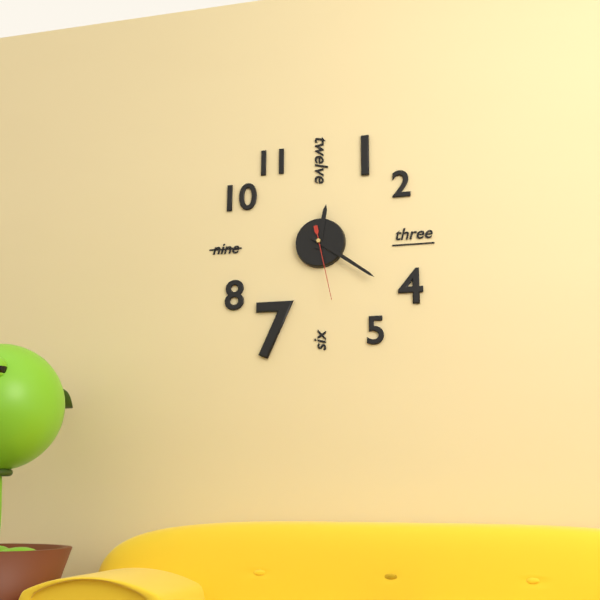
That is 12 h 21 min 28 s
